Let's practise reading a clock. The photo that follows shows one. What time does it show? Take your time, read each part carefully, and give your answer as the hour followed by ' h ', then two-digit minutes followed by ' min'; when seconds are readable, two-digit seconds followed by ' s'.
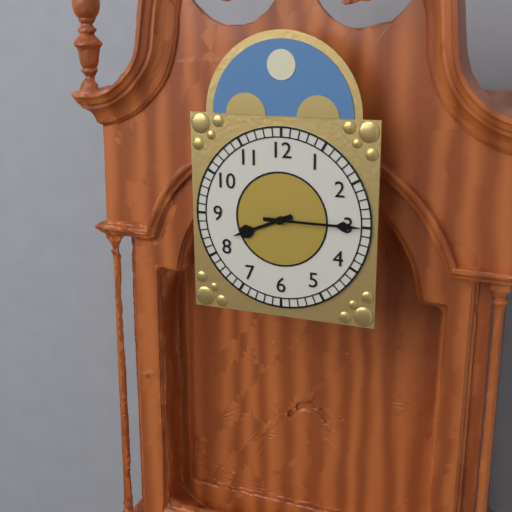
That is 8 h 15 min
